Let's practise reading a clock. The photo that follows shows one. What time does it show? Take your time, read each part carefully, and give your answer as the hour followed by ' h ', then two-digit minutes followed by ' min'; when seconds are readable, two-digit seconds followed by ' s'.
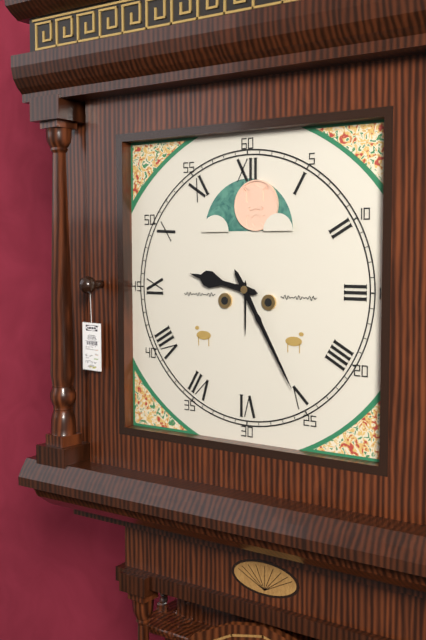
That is 9 h 25 min
